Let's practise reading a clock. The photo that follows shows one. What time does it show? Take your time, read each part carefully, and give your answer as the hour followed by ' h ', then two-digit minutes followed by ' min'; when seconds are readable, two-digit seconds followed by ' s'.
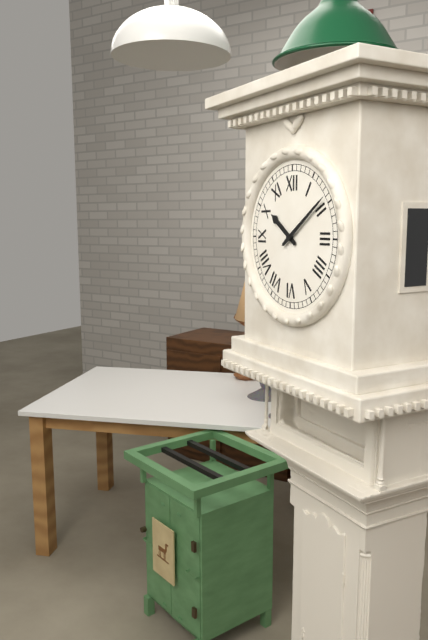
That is 10 h 09 min
